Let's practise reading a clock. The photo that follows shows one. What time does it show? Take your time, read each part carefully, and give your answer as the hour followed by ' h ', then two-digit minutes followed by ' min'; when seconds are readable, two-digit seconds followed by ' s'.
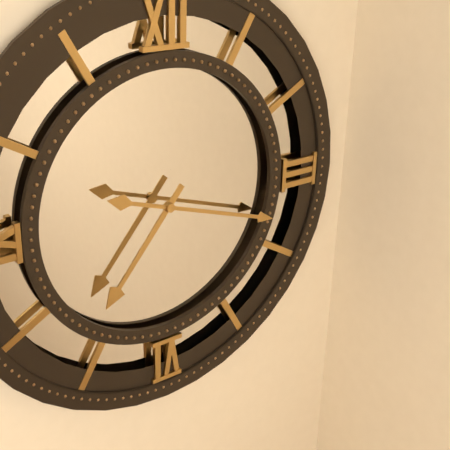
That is 7 h 18 min
